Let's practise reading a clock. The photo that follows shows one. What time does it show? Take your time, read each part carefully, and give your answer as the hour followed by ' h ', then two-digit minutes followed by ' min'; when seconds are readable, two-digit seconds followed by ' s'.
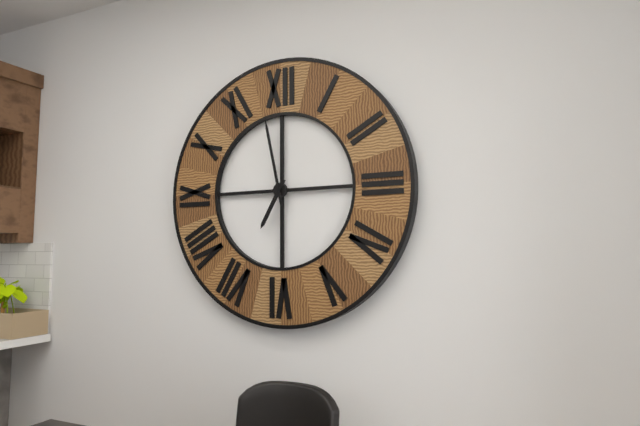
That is 6 h 58 min
